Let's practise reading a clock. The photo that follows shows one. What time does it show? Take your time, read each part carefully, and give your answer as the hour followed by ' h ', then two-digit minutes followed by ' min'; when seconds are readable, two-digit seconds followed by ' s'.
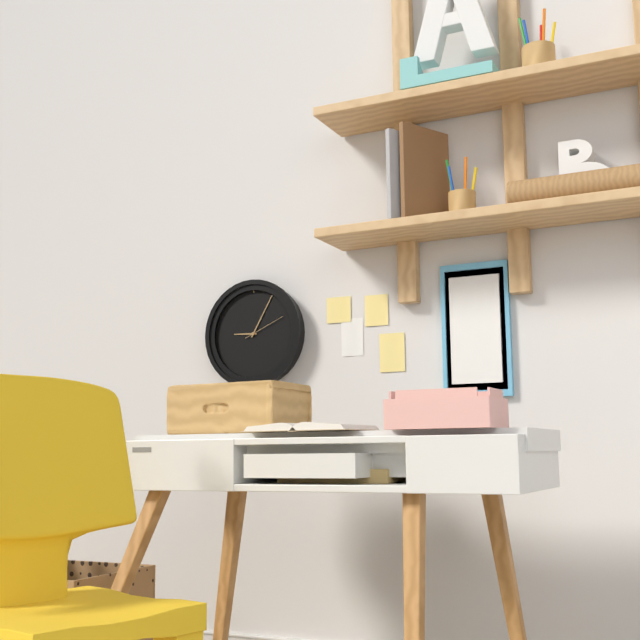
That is 9 h 05 min
